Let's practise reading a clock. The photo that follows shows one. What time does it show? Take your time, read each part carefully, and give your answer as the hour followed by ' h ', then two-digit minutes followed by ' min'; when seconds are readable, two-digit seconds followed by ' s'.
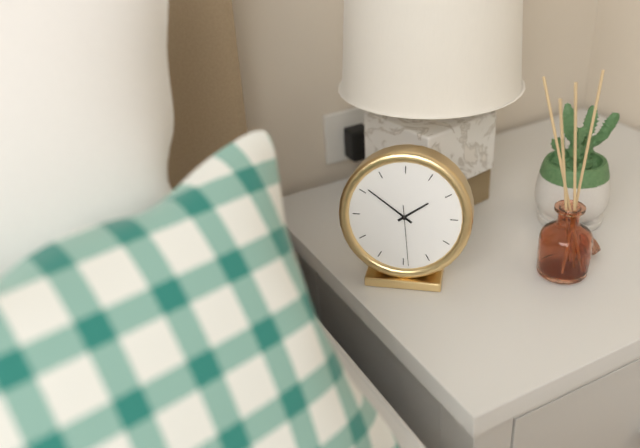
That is 1 h 51 min 29 s
